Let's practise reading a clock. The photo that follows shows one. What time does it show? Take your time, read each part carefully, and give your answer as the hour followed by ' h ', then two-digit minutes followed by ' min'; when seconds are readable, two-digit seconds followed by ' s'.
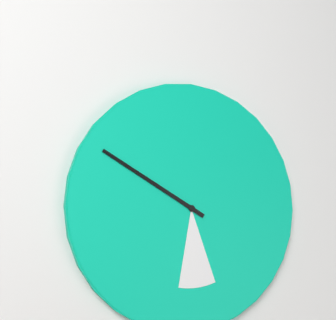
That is 5 h 50 min
